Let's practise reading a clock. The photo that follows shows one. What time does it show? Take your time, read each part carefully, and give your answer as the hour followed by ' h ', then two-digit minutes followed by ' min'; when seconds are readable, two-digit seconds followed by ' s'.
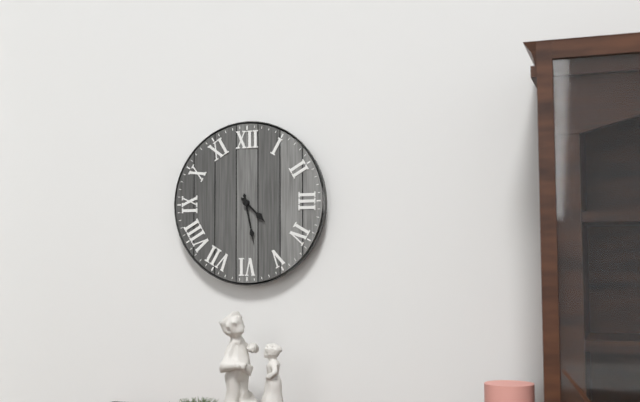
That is 4 h 28 min
